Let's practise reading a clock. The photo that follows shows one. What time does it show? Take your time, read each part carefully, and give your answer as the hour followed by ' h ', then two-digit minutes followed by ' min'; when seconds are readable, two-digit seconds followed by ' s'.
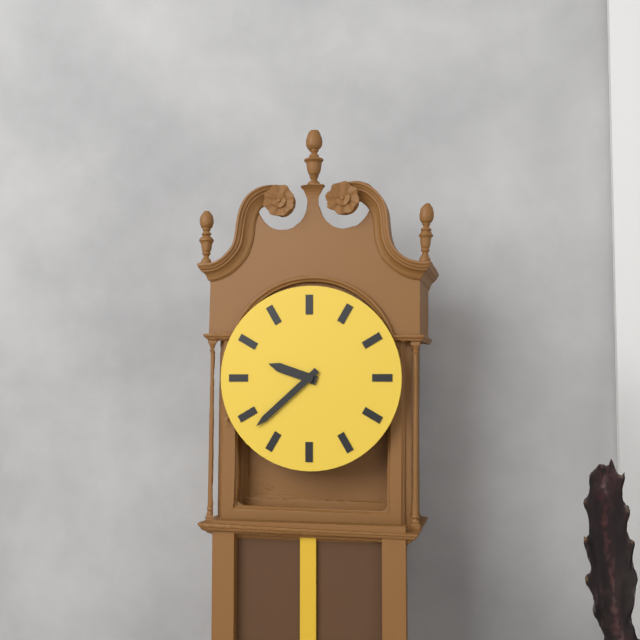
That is 9 h 38 min
